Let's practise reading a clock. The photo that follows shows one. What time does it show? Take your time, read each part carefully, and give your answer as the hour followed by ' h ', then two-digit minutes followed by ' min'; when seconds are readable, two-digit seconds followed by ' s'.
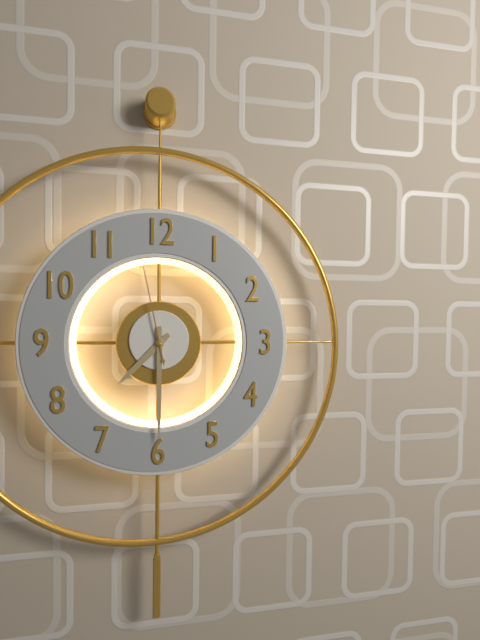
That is 7 h 30 min 58 s
